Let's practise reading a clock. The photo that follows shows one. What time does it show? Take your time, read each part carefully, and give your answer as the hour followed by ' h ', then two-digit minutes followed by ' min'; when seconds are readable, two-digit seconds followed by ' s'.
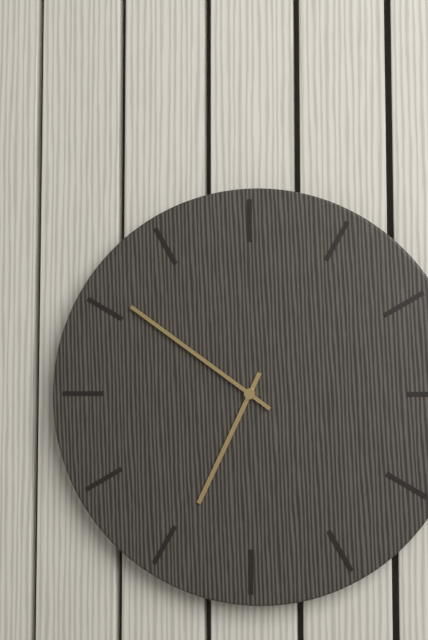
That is 6 h 51 min
